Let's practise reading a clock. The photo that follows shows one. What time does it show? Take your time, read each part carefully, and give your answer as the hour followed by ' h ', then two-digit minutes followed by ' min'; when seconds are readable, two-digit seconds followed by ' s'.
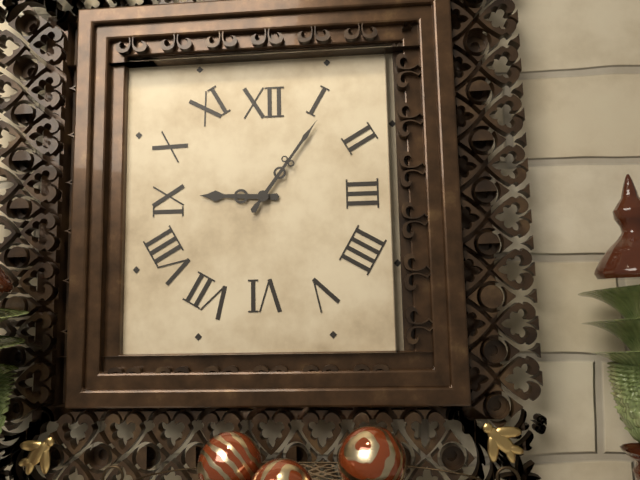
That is 9 h 06 min
